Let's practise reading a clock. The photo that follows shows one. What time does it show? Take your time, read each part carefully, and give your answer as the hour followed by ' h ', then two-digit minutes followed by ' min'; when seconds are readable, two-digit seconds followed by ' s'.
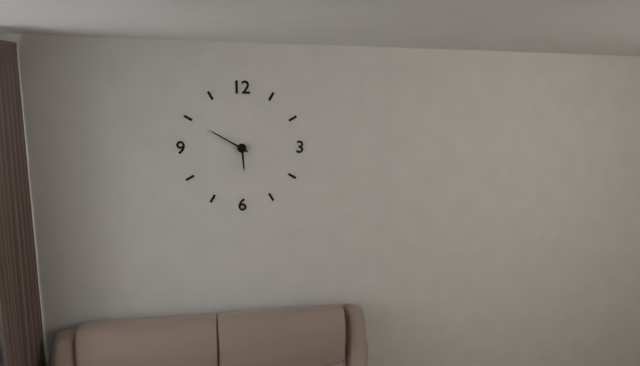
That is 5 h 50 min
